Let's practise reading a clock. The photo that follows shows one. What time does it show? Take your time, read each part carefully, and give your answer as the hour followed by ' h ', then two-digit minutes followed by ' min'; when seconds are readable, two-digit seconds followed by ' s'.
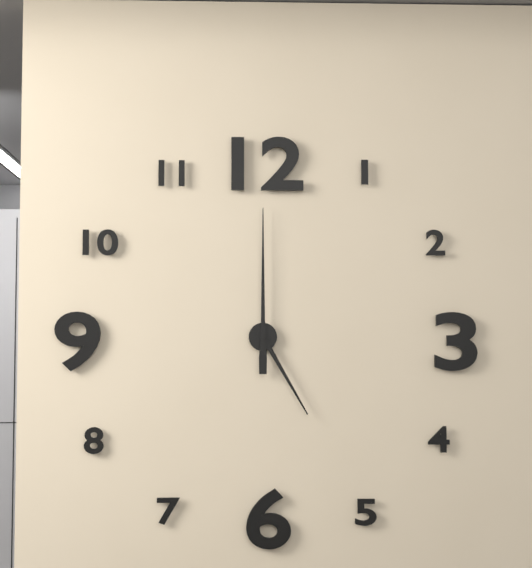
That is 5 h 00 min
